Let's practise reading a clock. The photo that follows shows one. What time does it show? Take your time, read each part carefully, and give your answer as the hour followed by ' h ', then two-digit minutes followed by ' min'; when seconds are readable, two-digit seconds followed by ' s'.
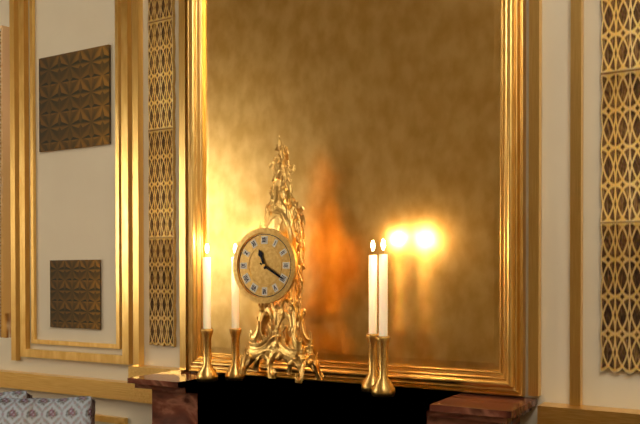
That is 11 h 20 min
